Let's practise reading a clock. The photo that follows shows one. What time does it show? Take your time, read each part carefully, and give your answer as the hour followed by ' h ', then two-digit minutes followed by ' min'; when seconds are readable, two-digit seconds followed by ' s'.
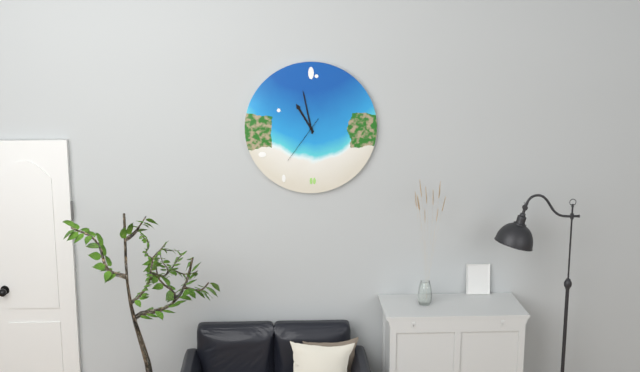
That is 10 h 58 min
